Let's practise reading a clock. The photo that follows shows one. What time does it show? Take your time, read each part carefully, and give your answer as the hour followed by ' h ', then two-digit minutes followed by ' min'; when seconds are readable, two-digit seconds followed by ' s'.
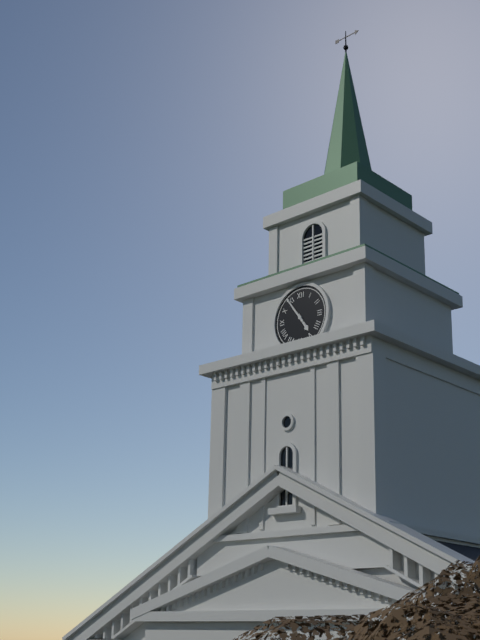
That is 4 h 54 min
